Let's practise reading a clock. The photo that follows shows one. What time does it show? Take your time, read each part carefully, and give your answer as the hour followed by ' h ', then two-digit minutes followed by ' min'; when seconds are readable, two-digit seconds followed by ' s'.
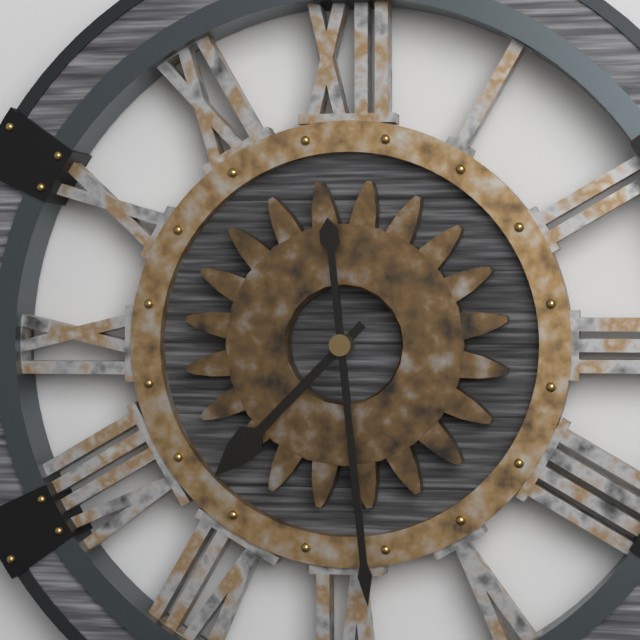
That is 7 h 29 min
